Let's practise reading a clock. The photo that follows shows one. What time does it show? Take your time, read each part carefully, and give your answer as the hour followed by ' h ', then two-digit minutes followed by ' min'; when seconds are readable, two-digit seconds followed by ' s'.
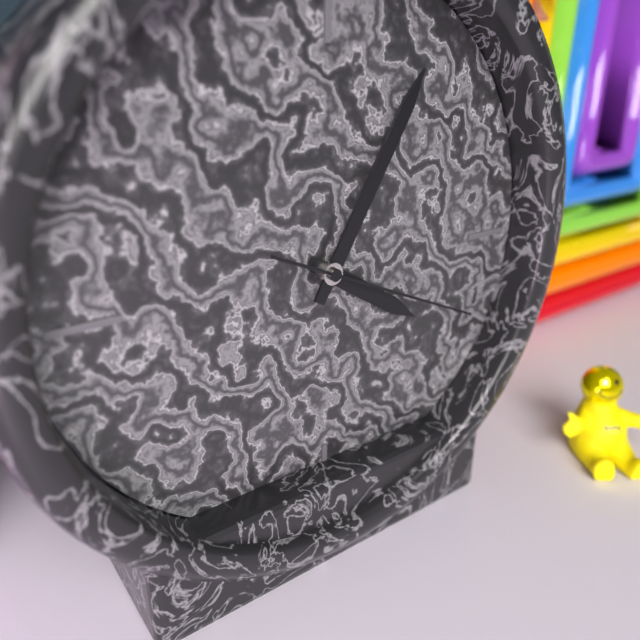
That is 4 h 05 min 19 s
